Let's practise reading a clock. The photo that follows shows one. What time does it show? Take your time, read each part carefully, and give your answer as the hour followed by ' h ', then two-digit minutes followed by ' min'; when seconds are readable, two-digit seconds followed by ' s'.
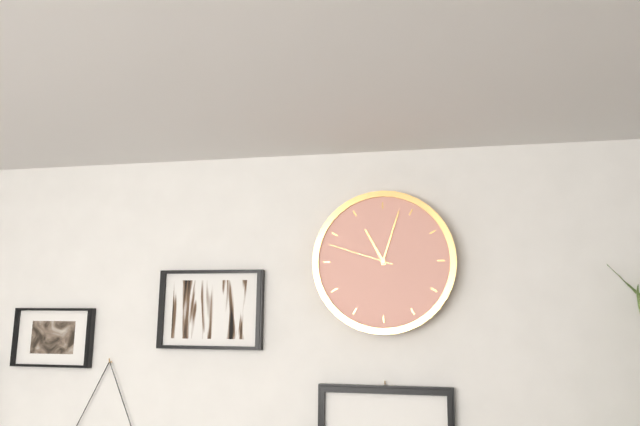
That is 11 h 03 min 48 s
